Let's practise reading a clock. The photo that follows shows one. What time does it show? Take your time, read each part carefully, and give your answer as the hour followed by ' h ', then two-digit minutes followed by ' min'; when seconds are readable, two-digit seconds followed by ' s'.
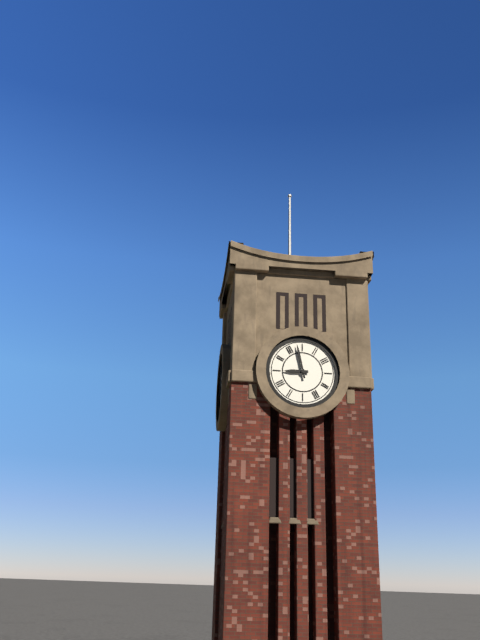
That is 8 h 58 min
